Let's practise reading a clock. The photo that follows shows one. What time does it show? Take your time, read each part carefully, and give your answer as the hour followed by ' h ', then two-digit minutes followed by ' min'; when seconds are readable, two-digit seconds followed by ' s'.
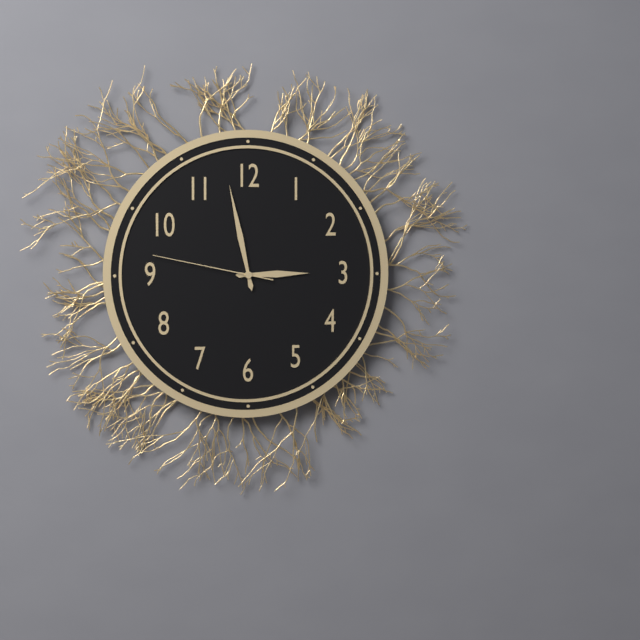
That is 2 h 58 min 47 s
